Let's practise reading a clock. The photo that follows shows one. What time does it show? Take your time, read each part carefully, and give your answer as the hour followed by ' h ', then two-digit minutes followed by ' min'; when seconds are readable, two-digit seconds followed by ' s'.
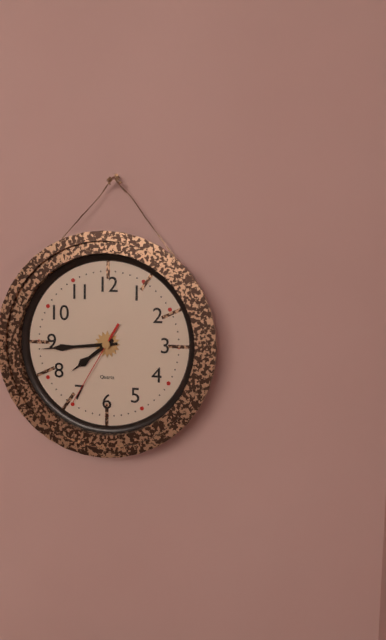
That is 7 h 44 min 35 s
